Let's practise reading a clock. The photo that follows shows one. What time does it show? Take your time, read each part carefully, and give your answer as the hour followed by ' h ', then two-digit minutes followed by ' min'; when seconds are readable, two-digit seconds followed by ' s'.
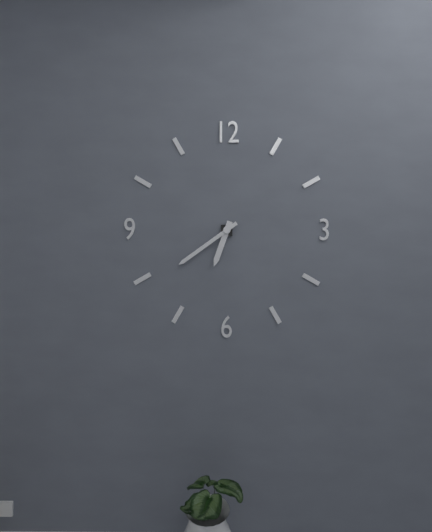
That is 6 h 39 min
